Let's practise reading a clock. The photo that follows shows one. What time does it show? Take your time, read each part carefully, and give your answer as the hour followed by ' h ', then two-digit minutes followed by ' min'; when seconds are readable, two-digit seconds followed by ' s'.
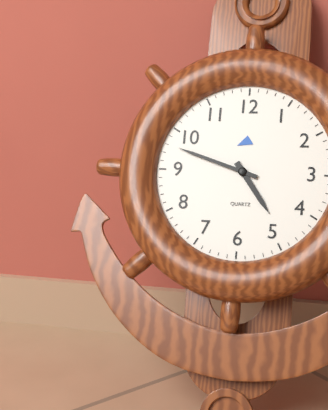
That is 4 h 48 min
